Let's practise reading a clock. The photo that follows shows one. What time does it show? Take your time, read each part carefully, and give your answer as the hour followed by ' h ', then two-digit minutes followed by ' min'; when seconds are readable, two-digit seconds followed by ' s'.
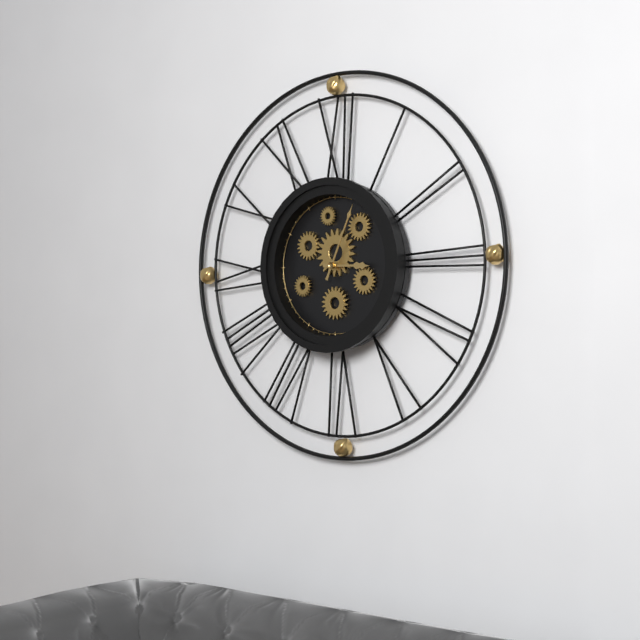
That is 3 h 04 min
